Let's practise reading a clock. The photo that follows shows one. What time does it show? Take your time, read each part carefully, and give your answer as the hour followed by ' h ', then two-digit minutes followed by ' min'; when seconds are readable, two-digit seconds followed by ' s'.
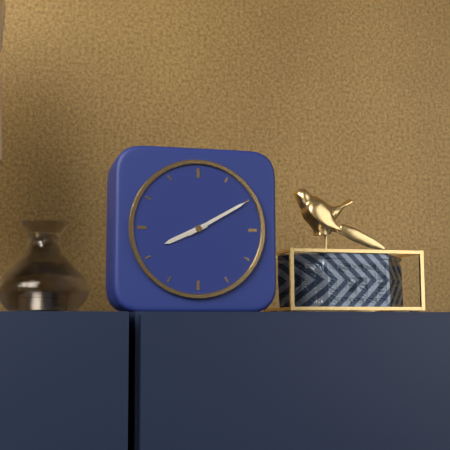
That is 8 h 10 min
